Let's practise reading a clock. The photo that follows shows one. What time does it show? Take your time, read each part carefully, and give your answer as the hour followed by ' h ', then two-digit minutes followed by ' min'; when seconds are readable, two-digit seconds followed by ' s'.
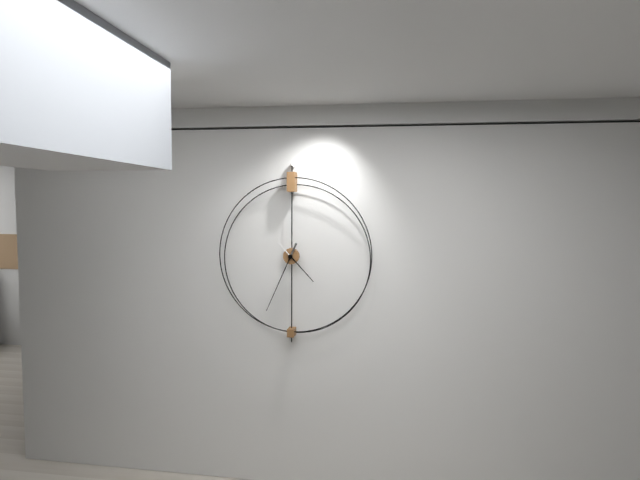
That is 4 h 34 min
